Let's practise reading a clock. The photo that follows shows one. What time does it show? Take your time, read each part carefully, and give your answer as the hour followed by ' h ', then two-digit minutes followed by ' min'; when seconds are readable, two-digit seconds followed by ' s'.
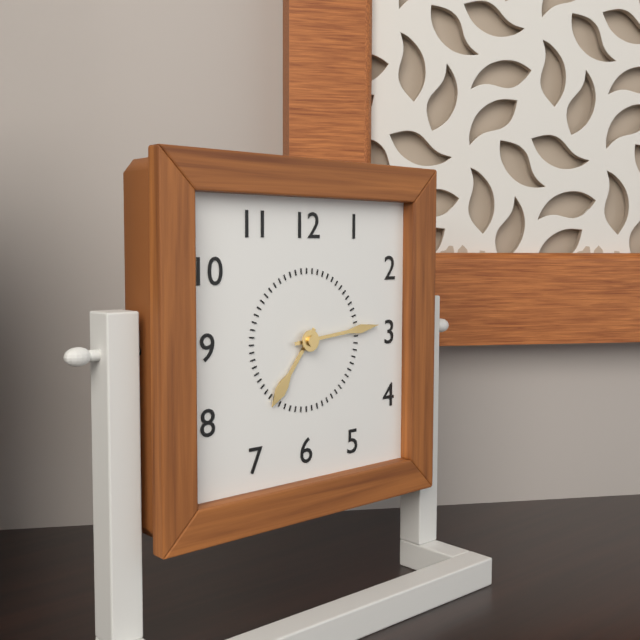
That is 7 h 14 min
